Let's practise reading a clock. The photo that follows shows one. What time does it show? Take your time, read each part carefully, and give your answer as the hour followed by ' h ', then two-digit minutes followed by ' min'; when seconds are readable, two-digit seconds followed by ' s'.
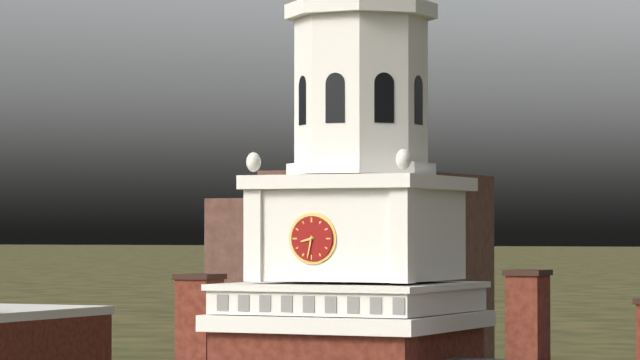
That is 8 h 32 min
